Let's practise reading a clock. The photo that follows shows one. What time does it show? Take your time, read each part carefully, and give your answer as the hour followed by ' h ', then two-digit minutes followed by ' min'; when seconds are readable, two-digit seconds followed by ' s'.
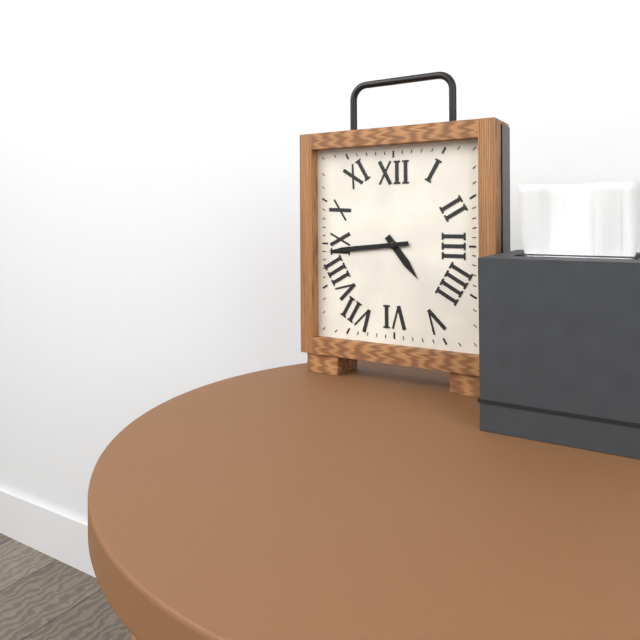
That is 4 h 44 min
